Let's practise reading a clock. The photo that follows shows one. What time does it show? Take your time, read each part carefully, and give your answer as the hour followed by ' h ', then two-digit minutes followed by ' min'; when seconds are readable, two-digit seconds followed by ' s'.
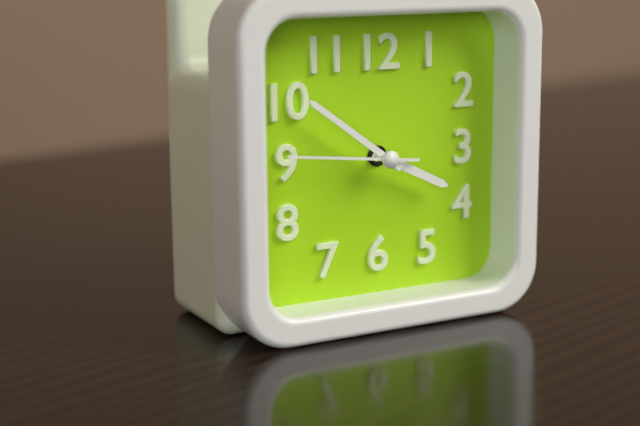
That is 3 h 51 min 46 s
